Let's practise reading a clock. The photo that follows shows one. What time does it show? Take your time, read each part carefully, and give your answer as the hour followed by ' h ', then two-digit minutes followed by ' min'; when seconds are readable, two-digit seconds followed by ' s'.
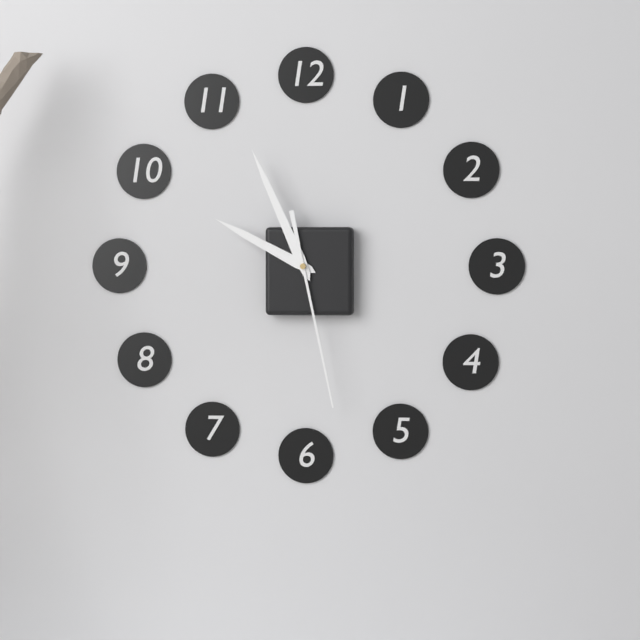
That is 9 h 56 min 28 s
